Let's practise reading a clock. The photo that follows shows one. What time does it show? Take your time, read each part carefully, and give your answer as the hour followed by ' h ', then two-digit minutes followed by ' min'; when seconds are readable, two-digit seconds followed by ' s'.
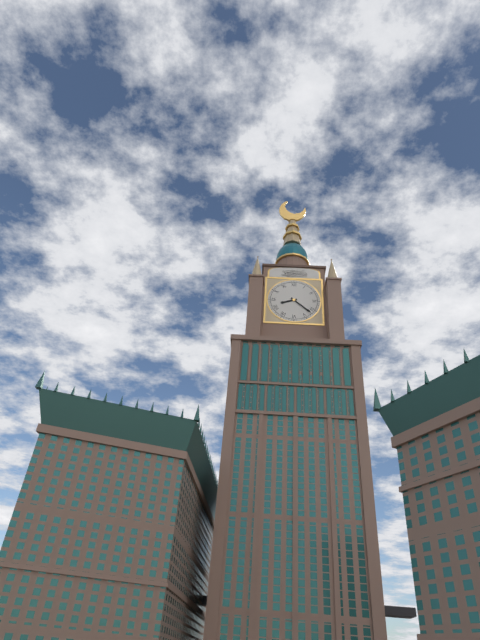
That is 8 h 22 min
